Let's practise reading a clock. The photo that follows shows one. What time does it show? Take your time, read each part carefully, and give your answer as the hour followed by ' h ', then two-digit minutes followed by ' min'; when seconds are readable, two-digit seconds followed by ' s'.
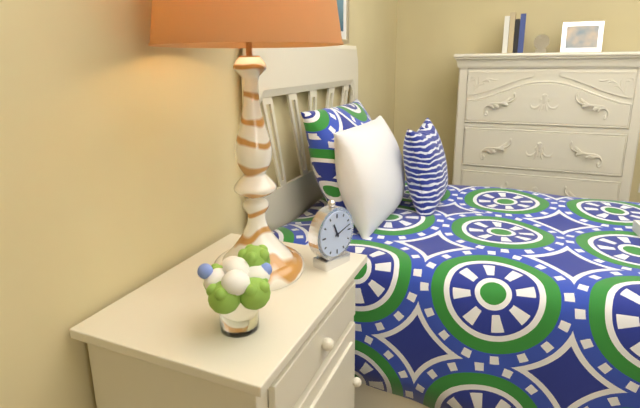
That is 11 h 12 min
